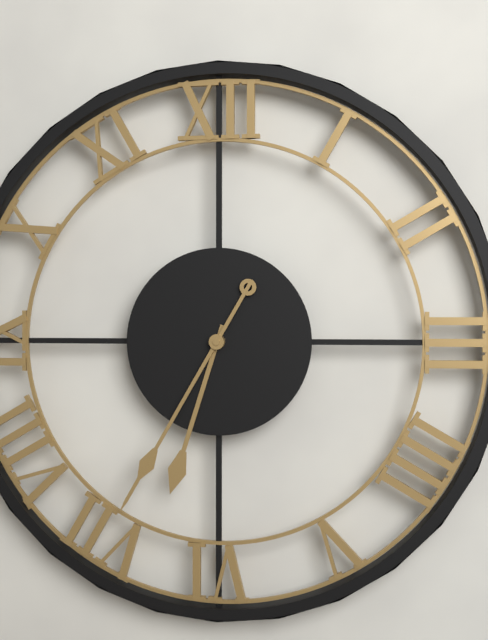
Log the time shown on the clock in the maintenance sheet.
6:35
